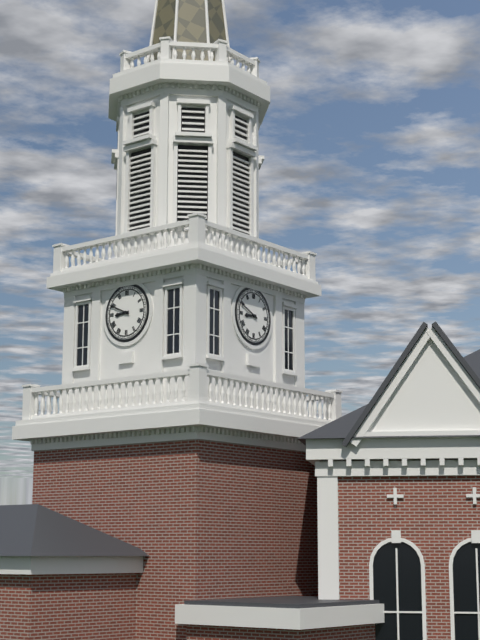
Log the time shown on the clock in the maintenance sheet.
8:49
